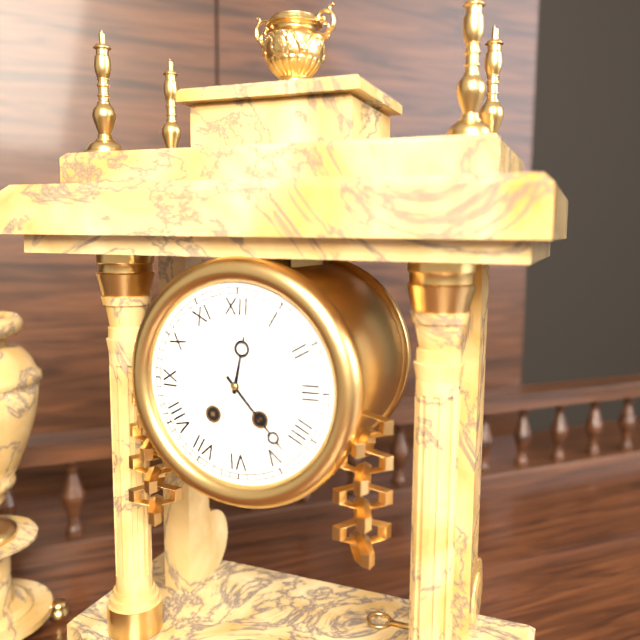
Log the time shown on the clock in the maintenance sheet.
12:23
